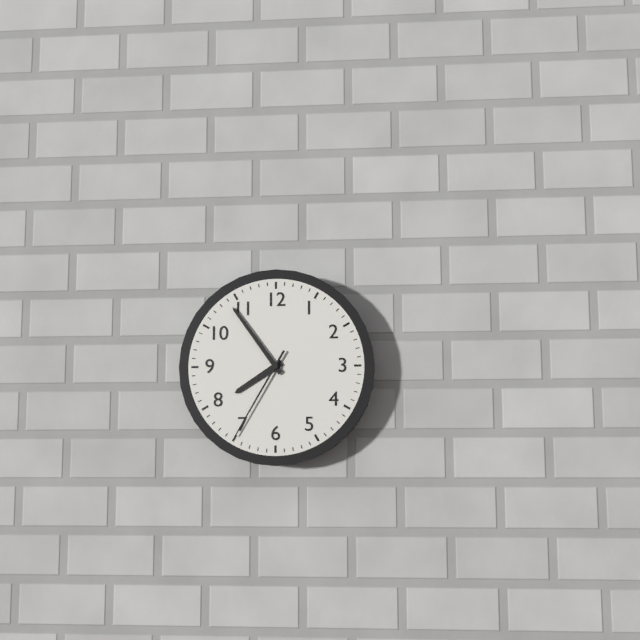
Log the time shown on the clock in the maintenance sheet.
7:54:35
